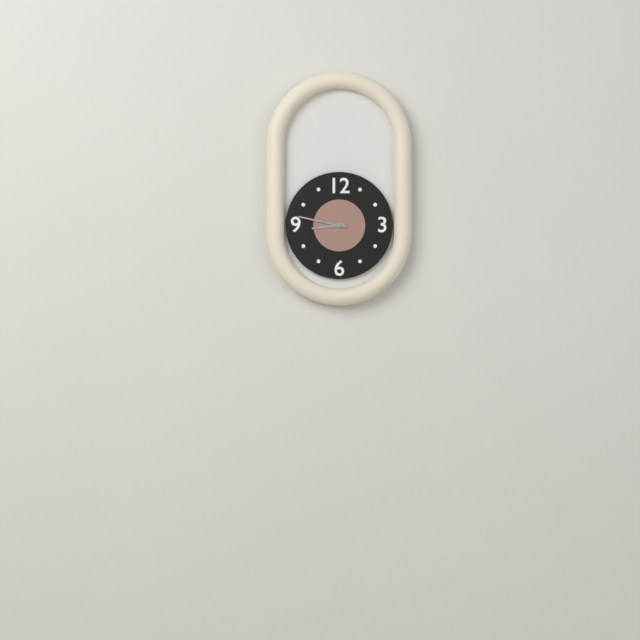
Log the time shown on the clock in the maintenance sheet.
8:47
